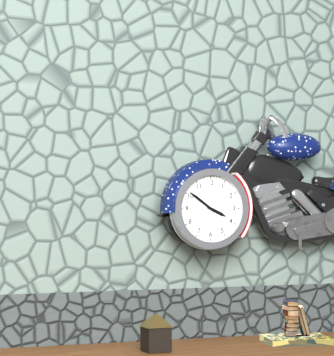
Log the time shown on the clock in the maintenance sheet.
3:51
